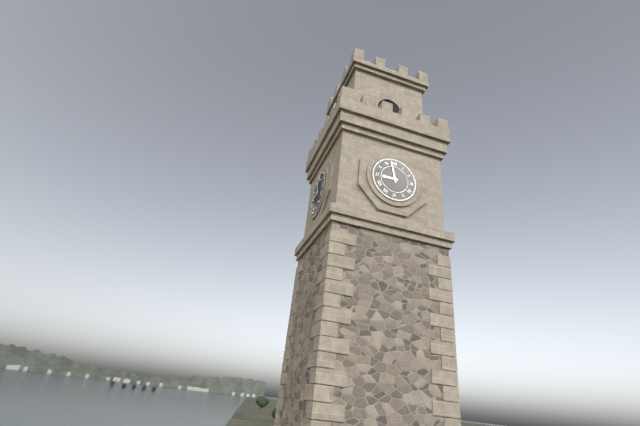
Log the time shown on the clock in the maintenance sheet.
8:58
